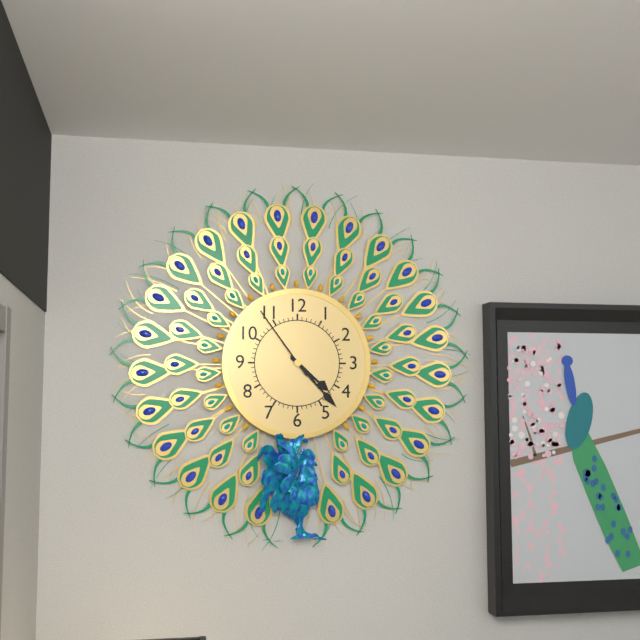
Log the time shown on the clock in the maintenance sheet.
4:23:54
